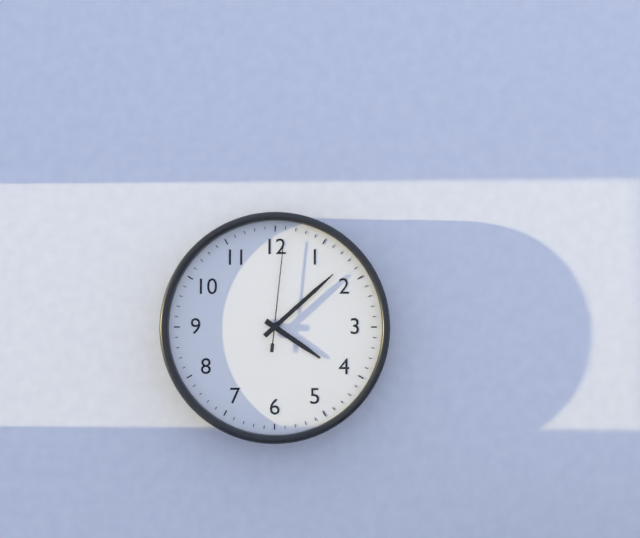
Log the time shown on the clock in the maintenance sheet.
4:08:01
